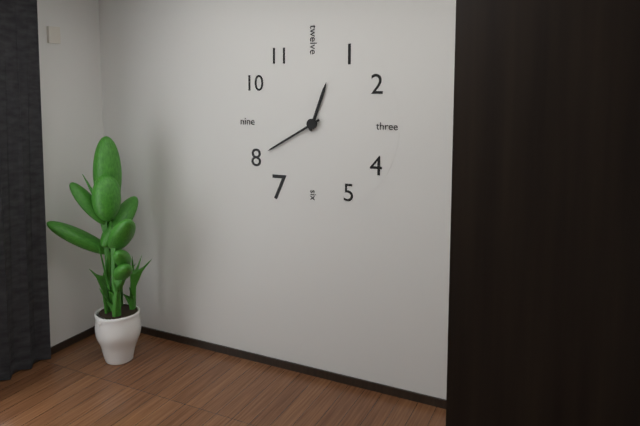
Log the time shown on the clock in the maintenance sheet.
12:40
